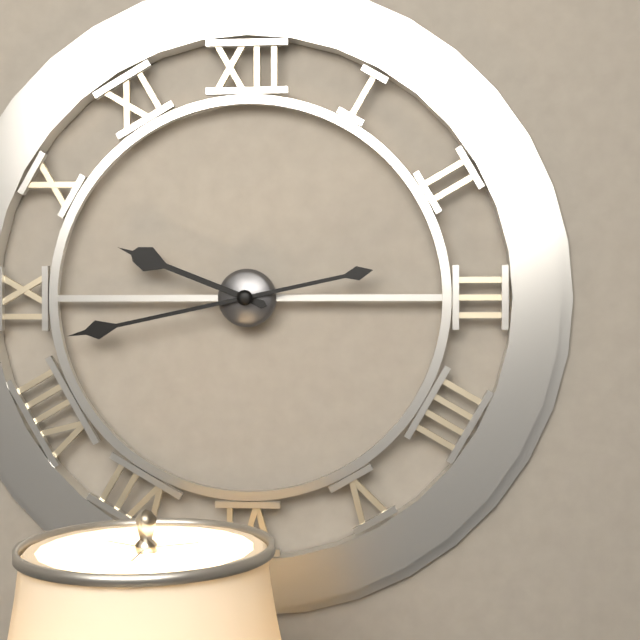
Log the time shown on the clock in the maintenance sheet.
9:43
